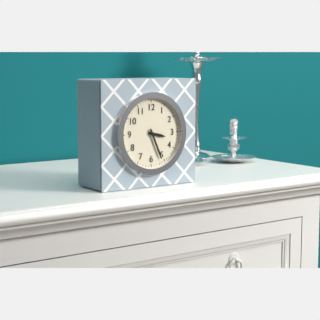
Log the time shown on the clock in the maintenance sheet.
3:26
